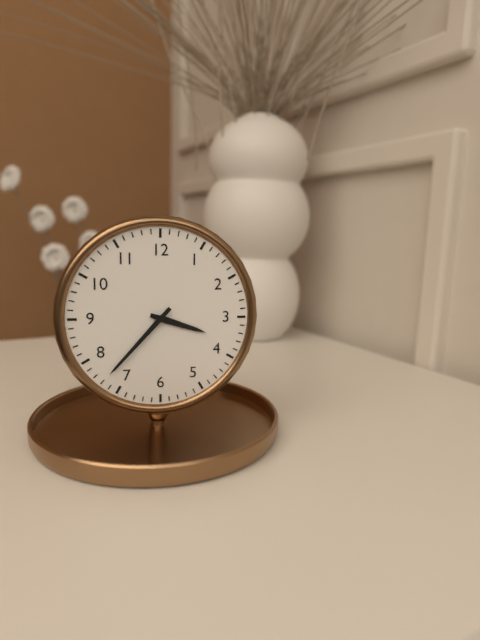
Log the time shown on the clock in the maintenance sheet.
3:37
